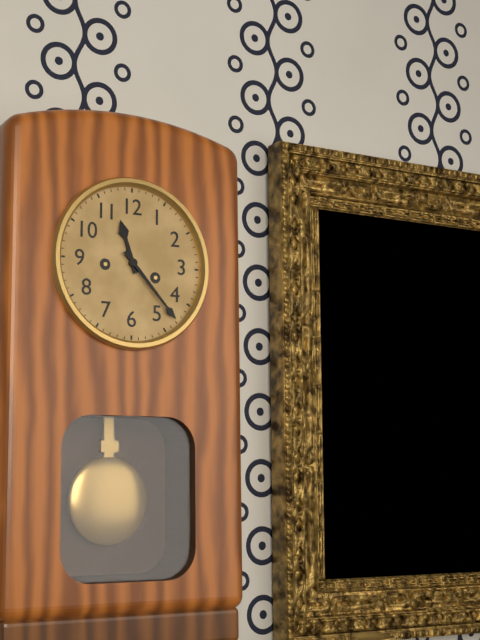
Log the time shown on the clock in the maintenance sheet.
11:23
